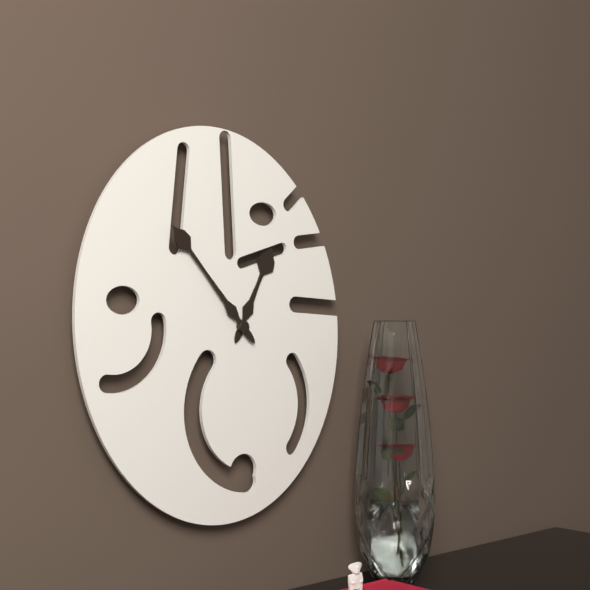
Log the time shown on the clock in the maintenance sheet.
12:53
